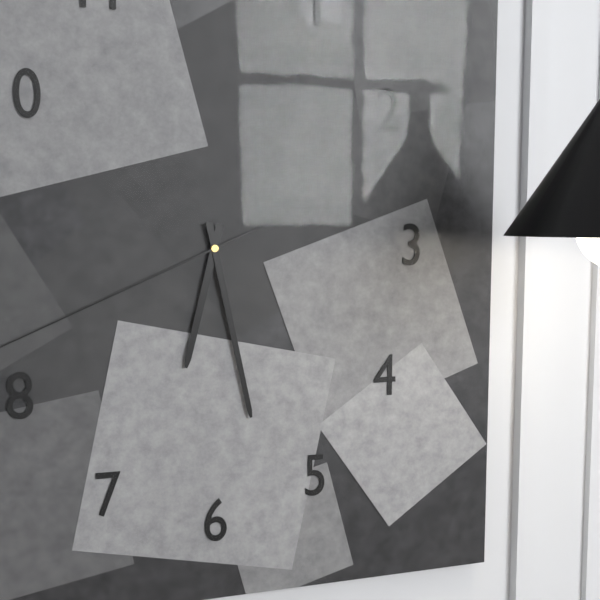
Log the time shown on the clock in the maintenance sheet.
6:28
